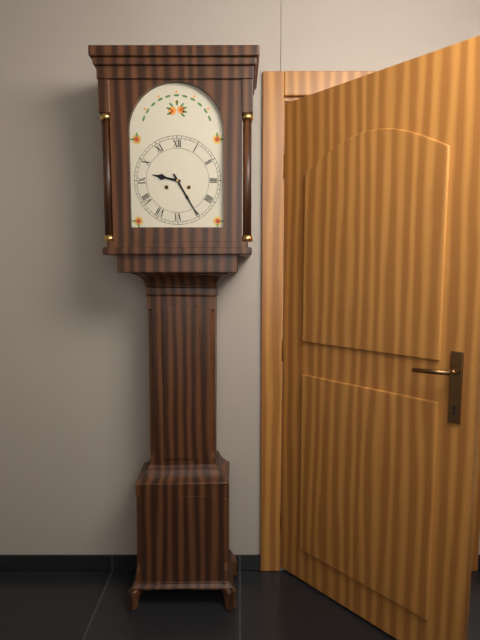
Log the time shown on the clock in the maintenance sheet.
9:25
